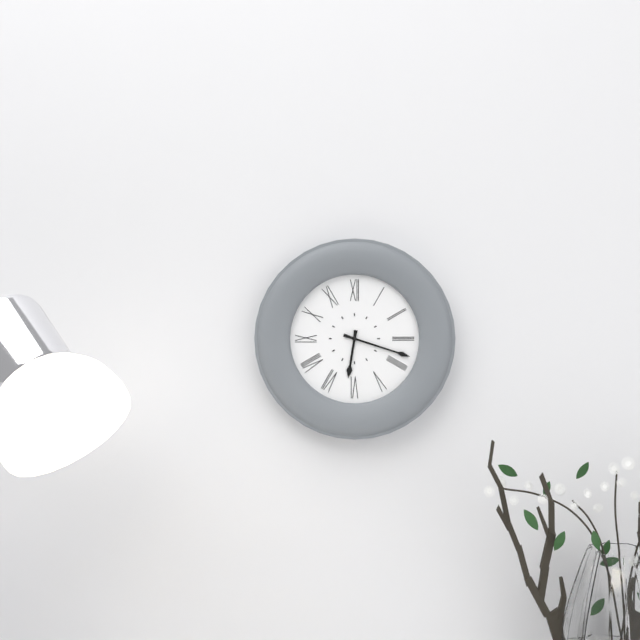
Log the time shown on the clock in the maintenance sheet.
6:18
